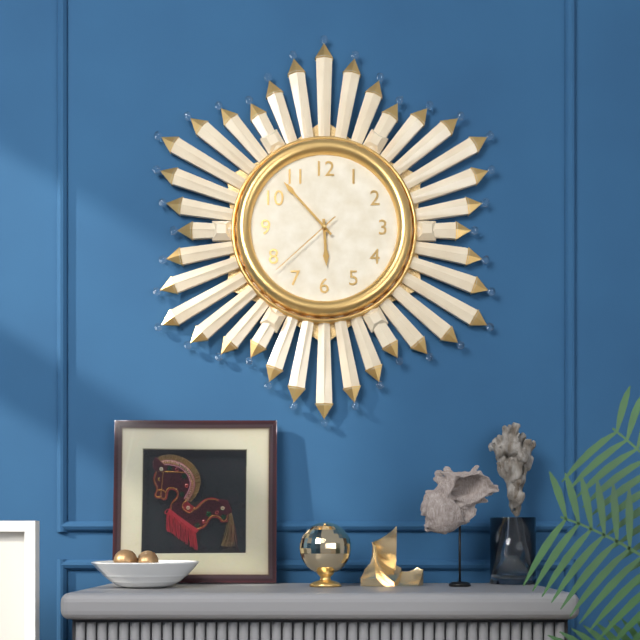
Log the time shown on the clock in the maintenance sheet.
5:53:38
